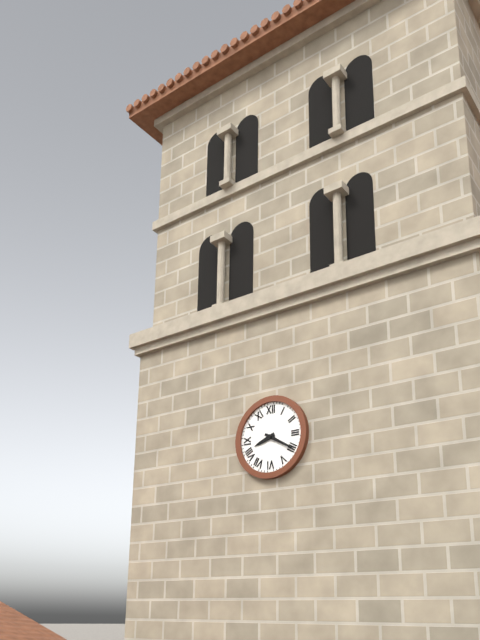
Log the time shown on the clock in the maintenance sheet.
8:20
